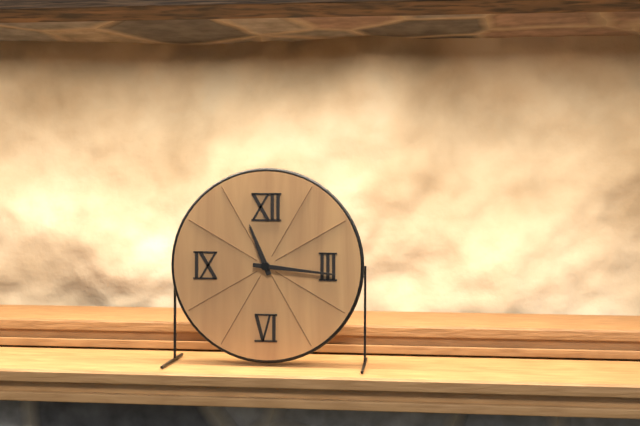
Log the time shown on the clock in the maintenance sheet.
11:16
